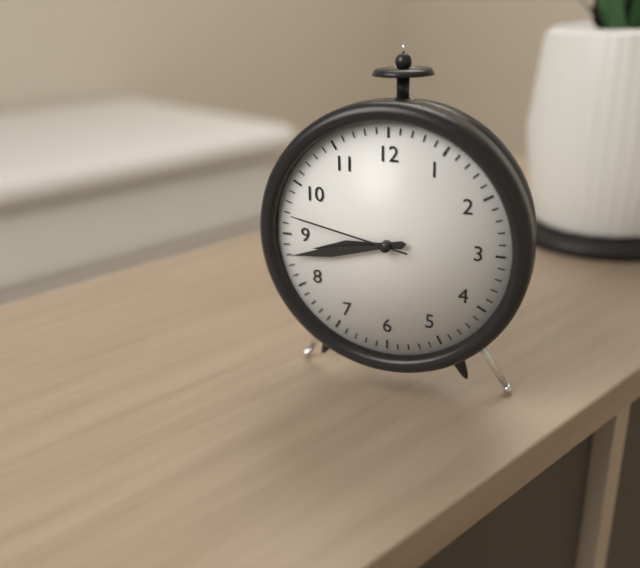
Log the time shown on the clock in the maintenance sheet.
8:43:47
